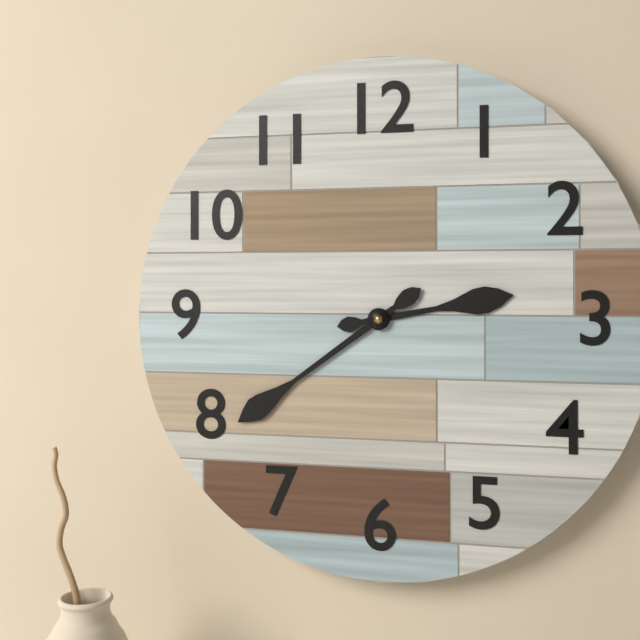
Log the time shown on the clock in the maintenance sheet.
2:39
